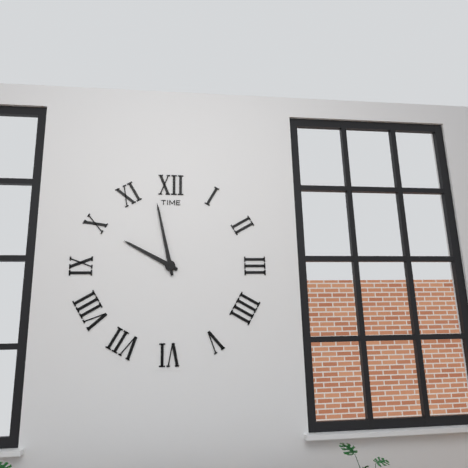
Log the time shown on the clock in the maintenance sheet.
9:58
